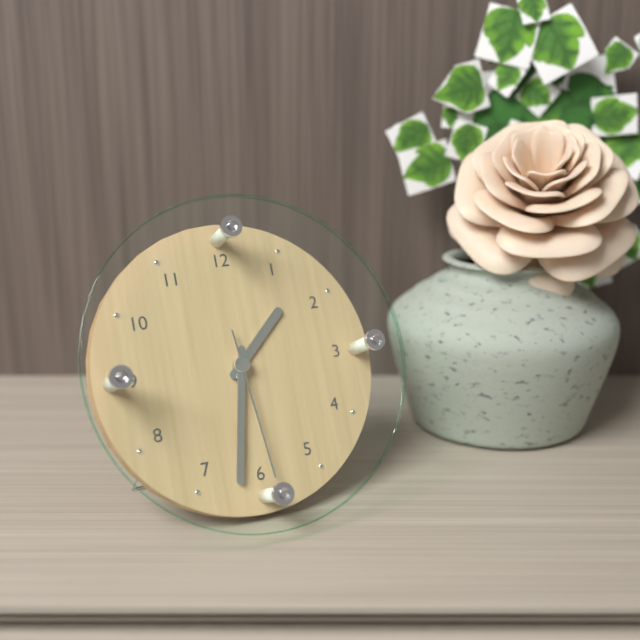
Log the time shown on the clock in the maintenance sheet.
1:32:29
